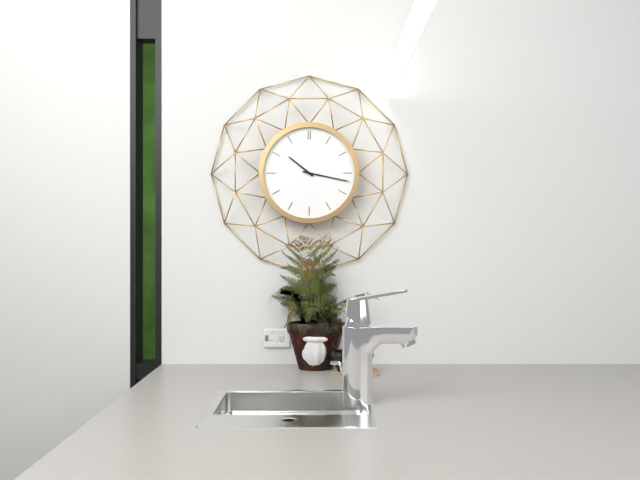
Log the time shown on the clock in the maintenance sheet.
10:17
